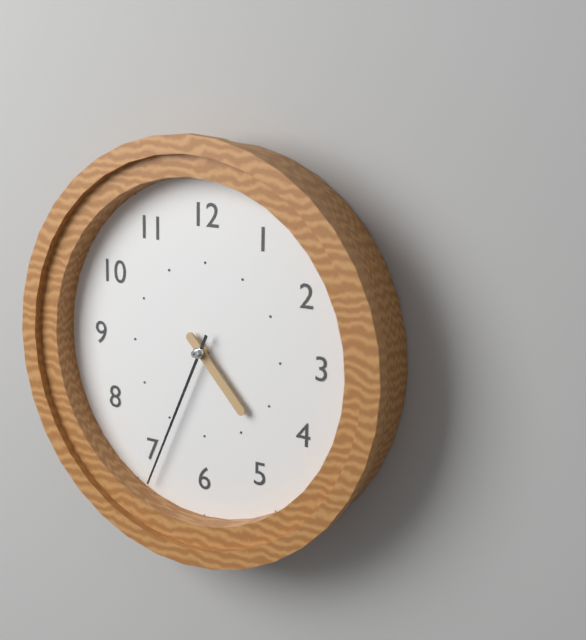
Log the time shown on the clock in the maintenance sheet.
4:34
